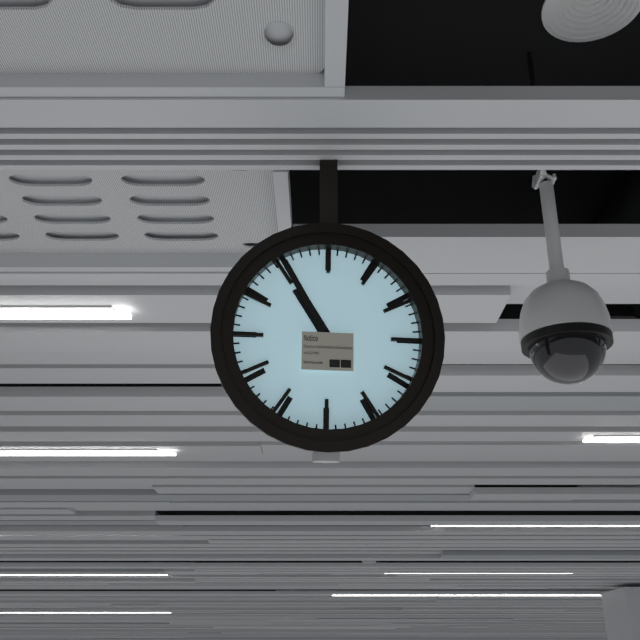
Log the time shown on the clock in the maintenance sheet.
10:55
